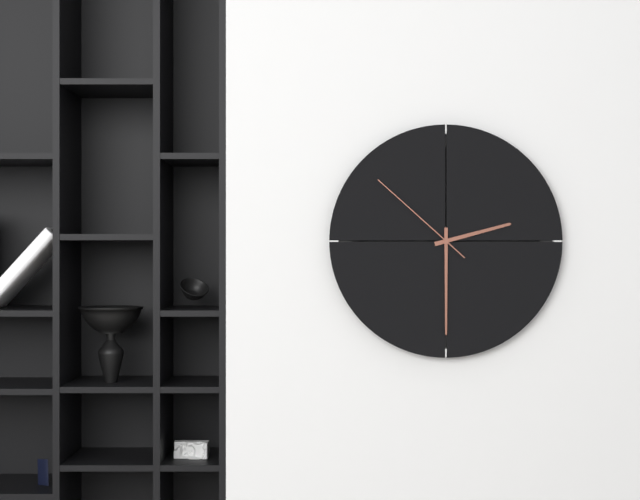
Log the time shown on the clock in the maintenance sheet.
2:30:52
